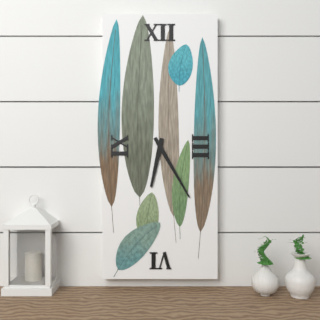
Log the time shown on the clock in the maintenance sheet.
6:25
